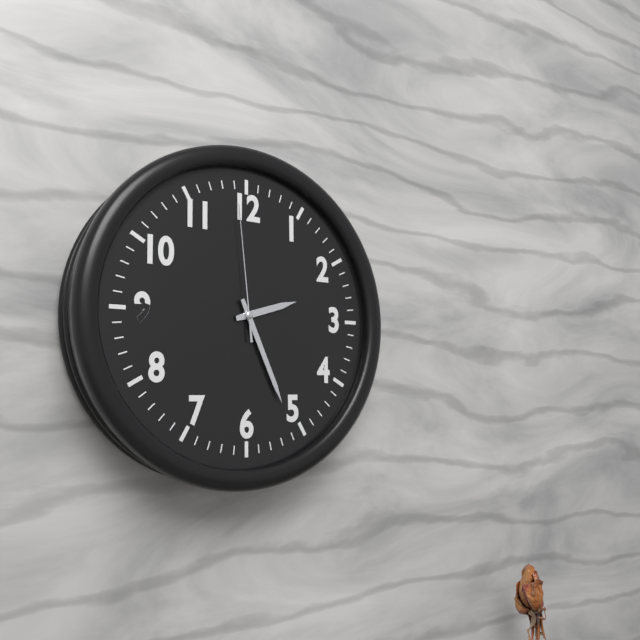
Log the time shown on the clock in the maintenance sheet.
2:26:59
